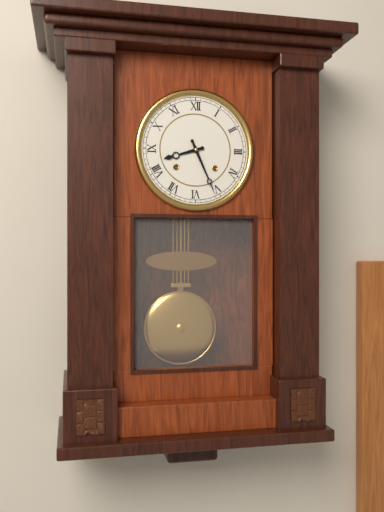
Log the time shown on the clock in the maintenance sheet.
8:26
